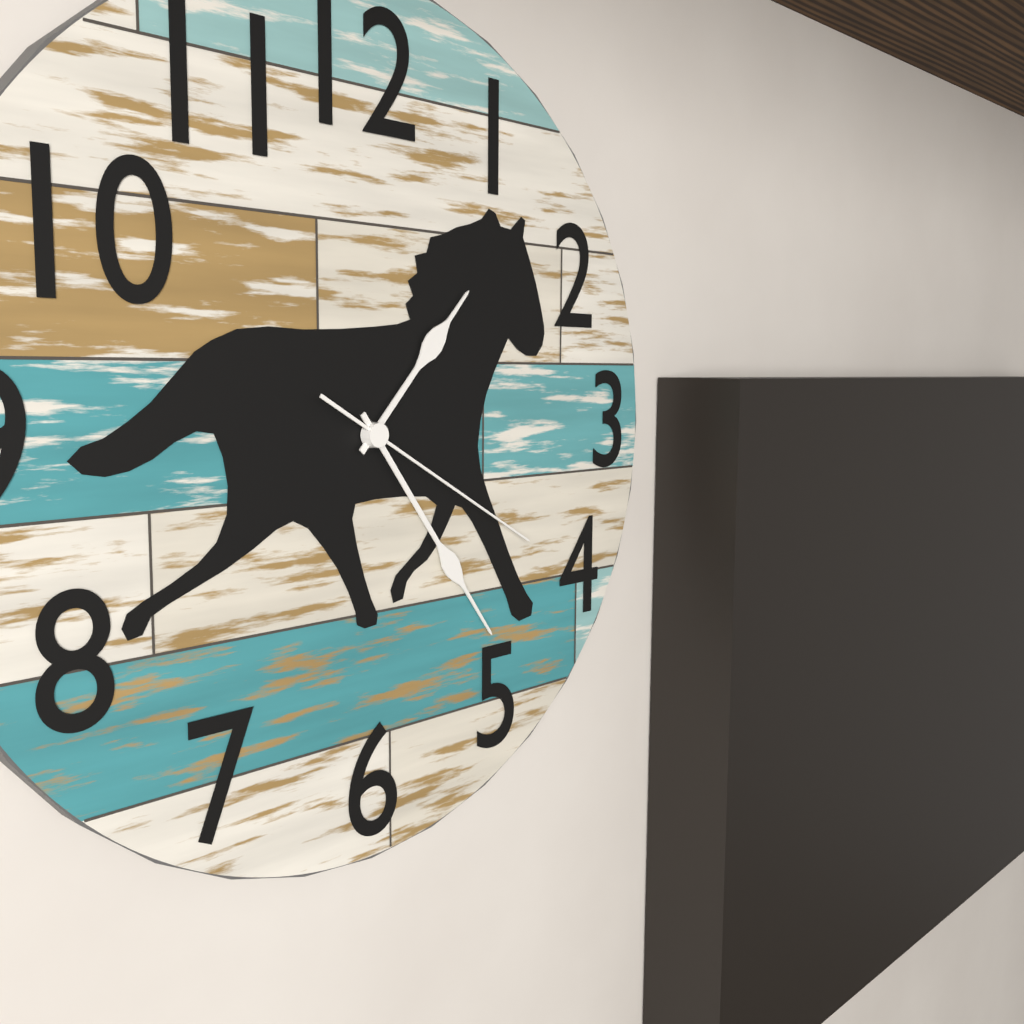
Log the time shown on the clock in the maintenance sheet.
1:24:20
